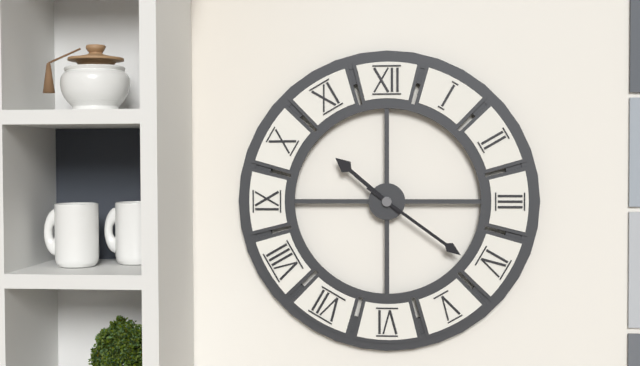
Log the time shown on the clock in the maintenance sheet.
10:21
